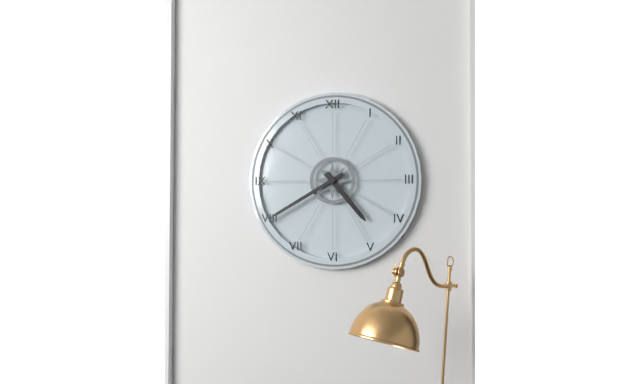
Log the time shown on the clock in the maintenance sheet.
4:40
